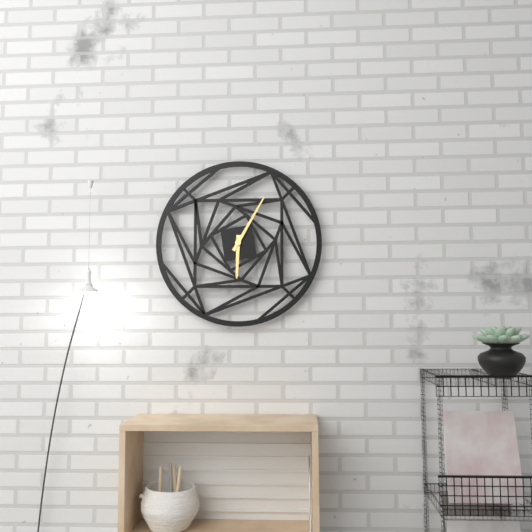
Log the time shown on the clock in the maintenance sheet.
6:05
